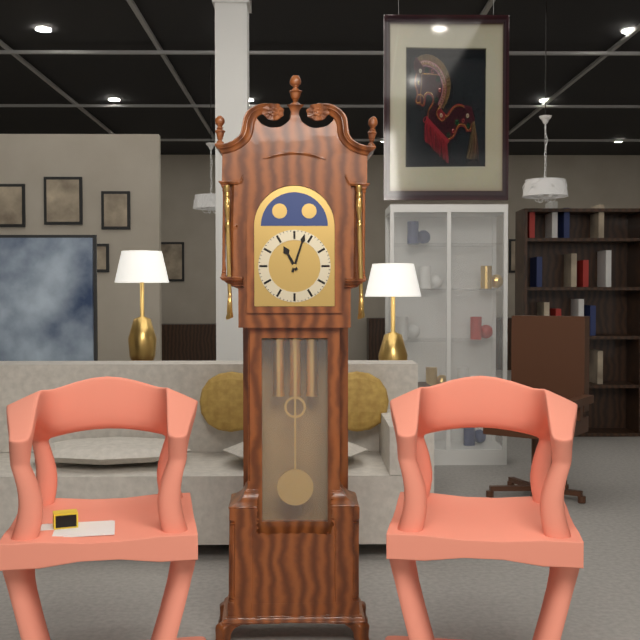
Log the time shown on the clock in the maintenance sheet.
11:03
